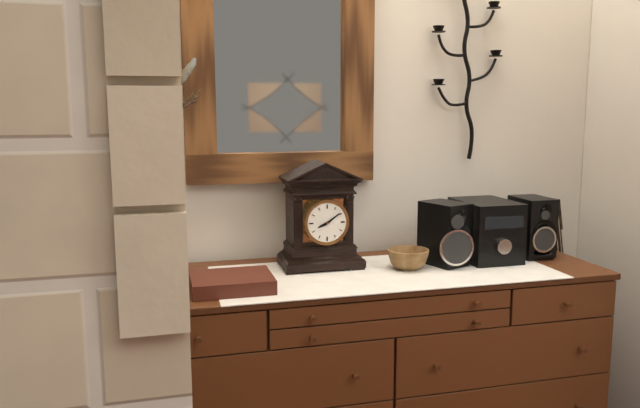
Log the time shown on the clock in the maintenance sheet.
8:09
